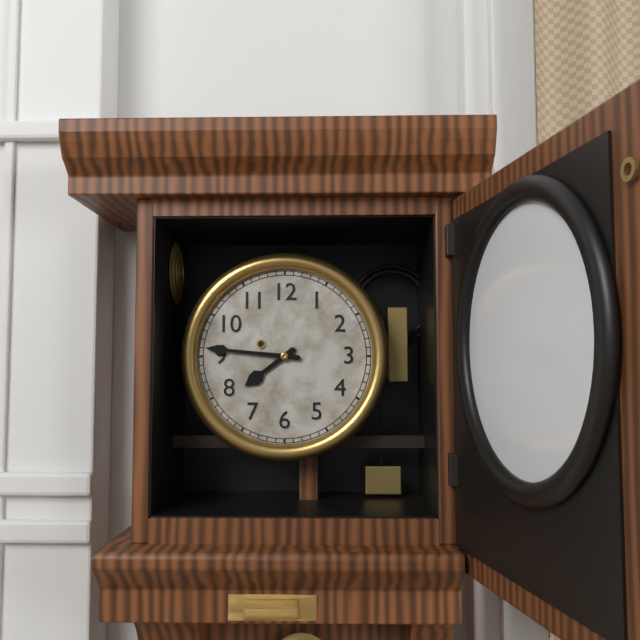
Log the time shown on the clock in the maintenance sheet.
7:46
